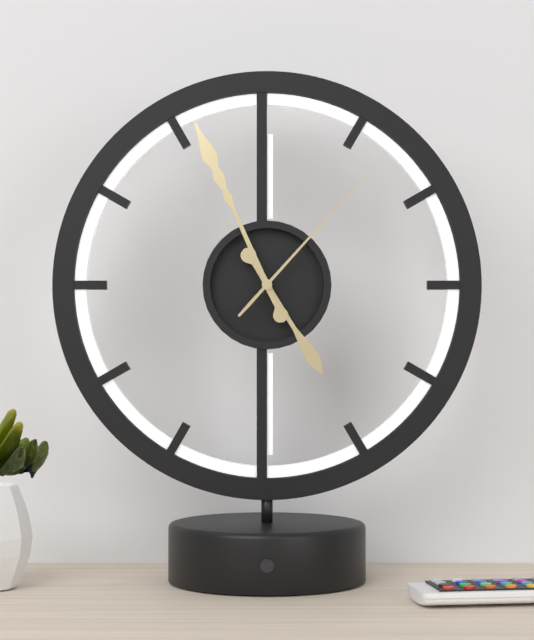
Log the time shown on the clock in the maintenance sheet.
4:56:07
